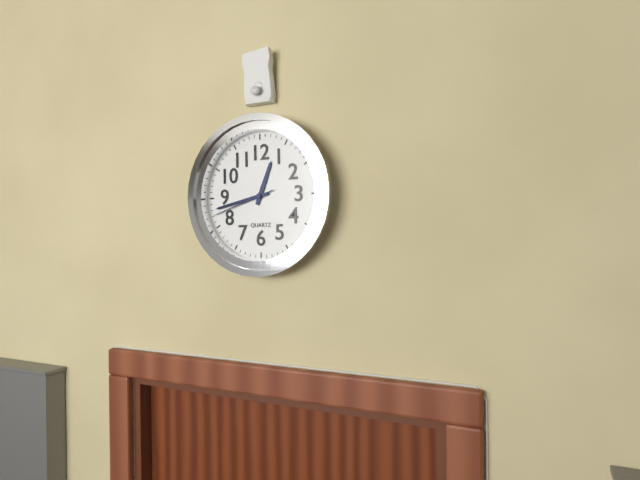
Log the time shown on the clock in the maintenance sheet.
12:43:42
